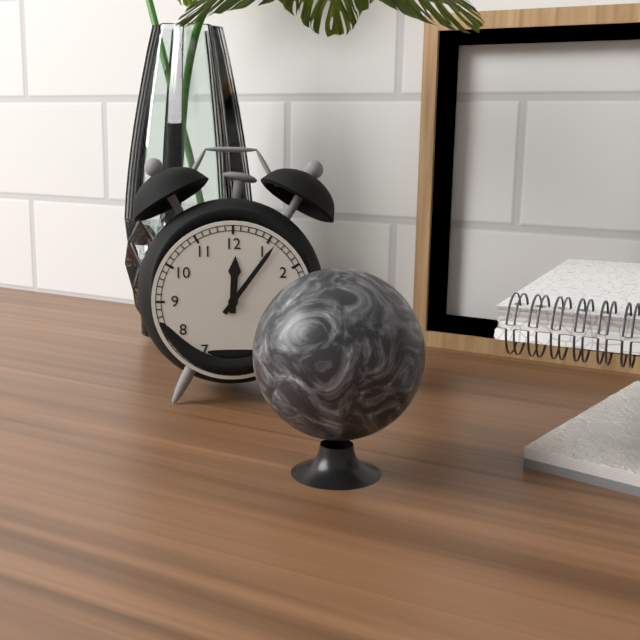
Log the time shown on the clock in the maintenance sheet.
12:06
